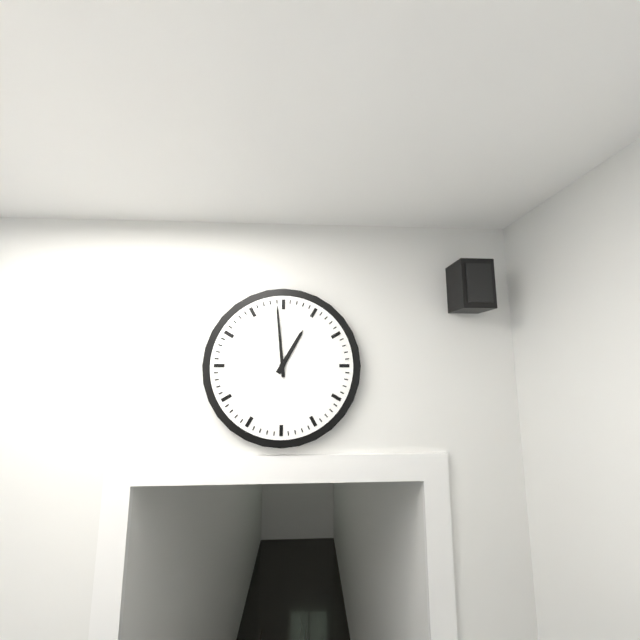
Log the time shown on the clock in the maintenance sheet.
12:59
